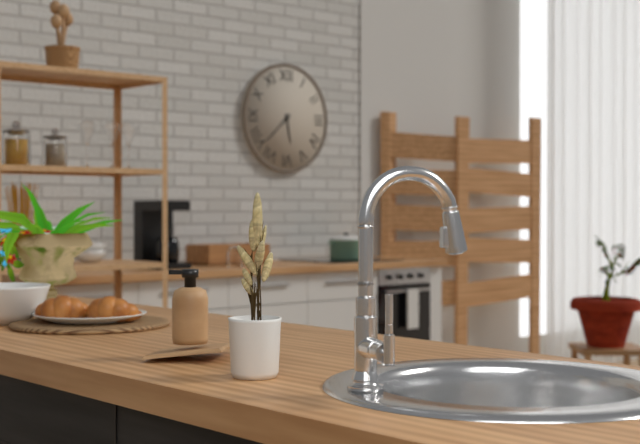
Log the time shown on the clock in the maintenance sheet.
5:38
